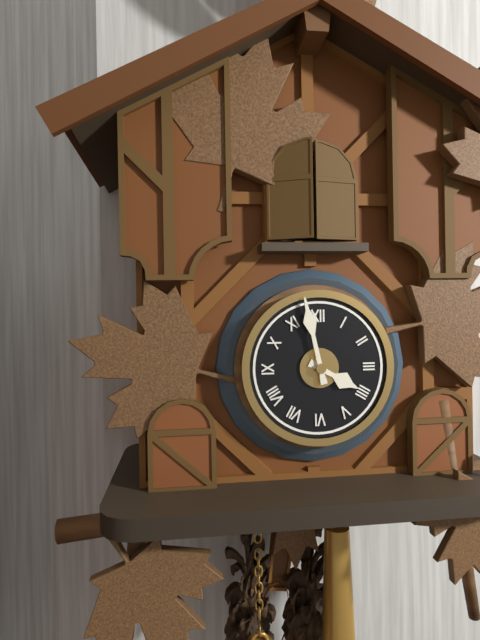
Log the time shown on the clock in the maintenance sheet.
3:58
